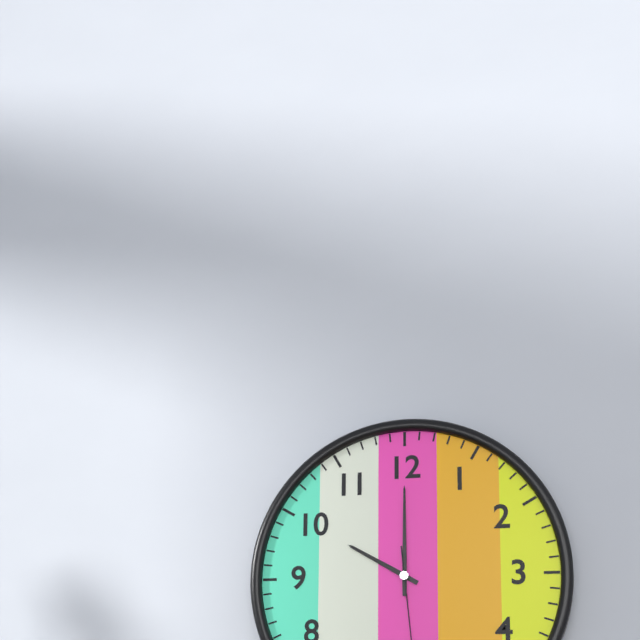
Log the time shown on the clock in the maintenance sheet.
10:00
